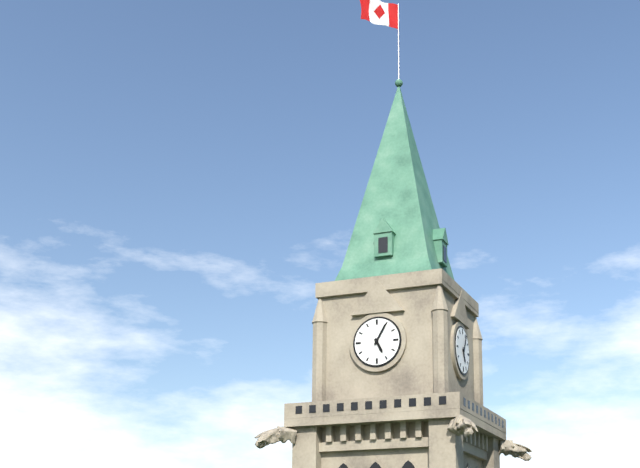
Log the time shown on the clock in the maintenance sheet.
5:05
